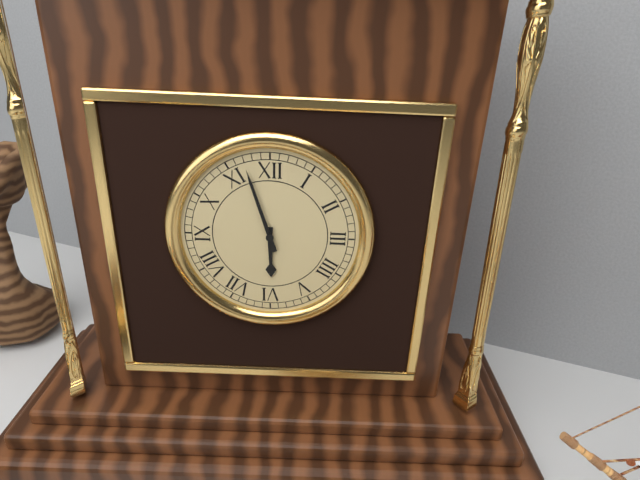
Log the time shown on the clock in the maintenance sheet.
5:57
